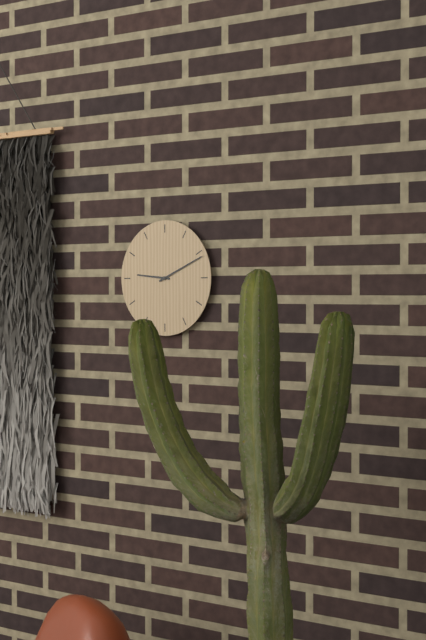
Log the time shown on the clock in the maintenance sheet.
9:11
